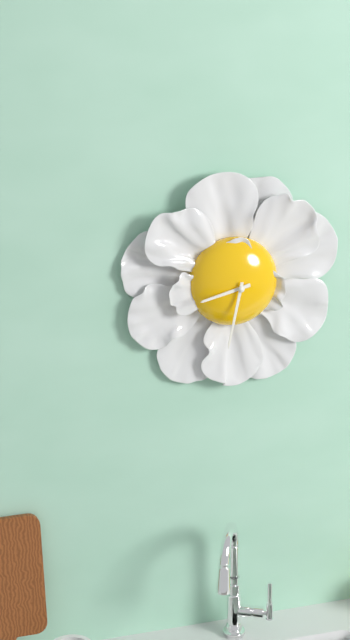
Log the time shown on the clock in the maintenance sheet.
8:32
